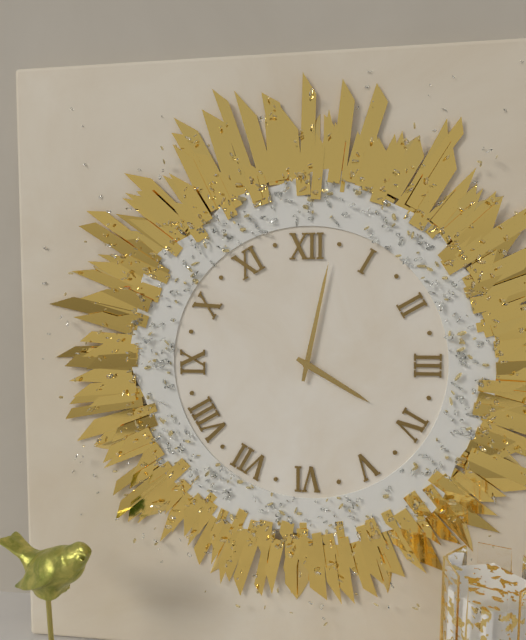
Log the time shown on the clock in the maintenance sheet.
4:02
